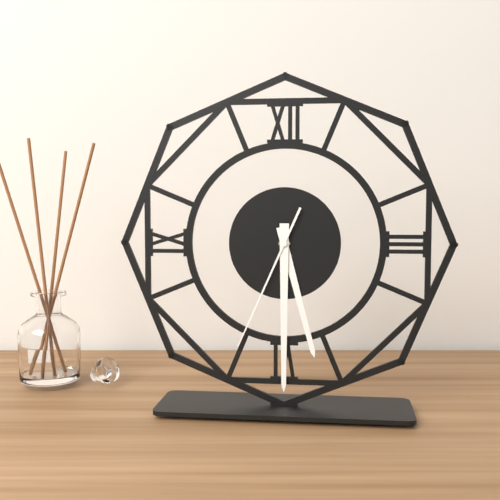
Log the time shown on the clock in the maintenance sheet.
5:30:34
